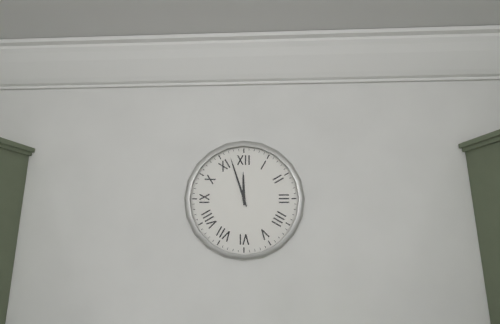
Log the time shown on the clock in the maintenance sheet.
11:57
